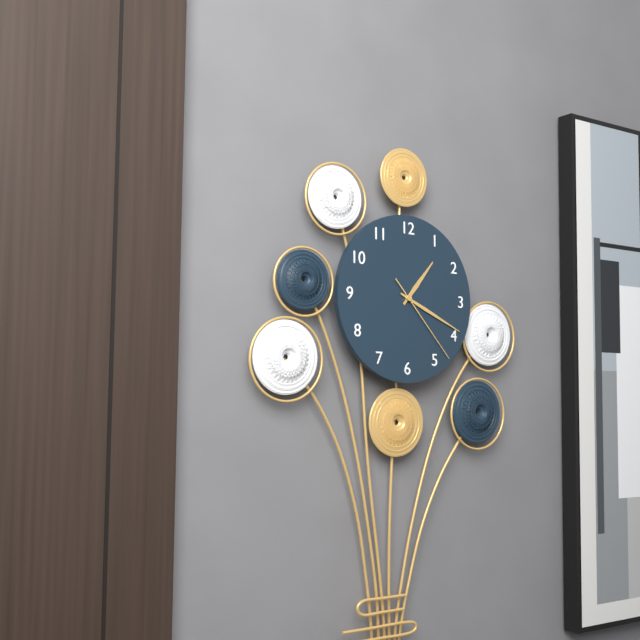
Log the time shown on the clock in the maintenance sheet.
1:19:23
